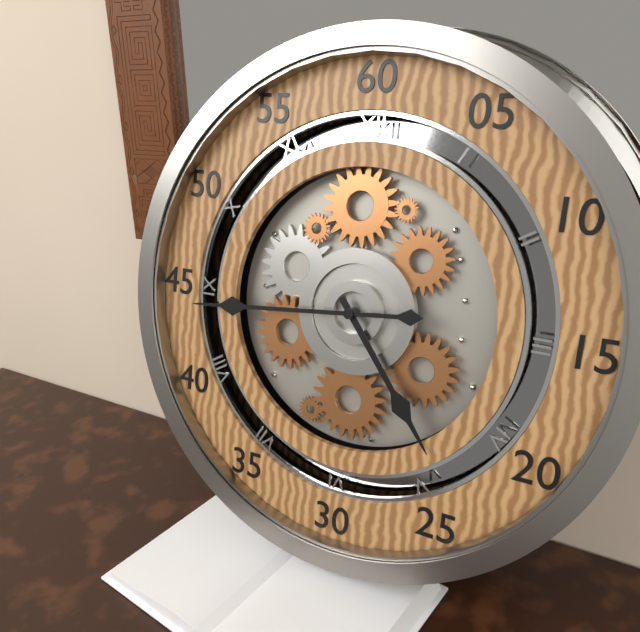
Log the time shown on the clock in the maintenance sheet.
4:44
